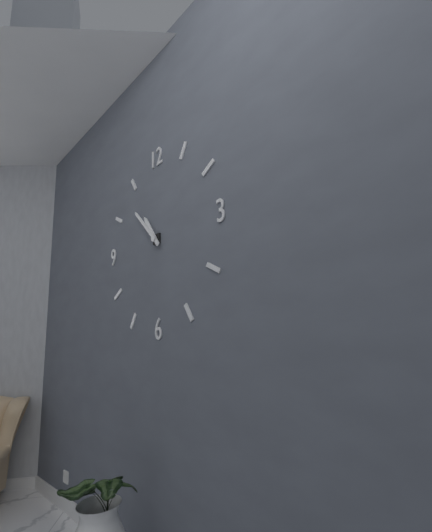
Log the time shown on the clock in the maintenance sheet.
10:53
